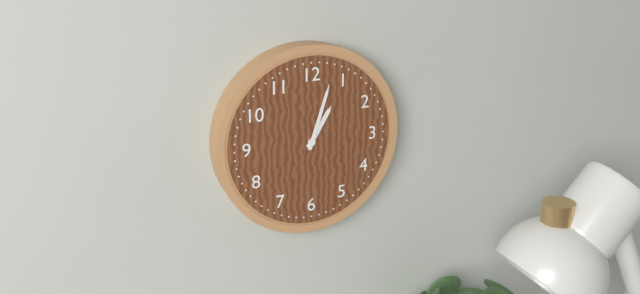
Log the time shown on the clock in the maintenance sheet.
1:03
